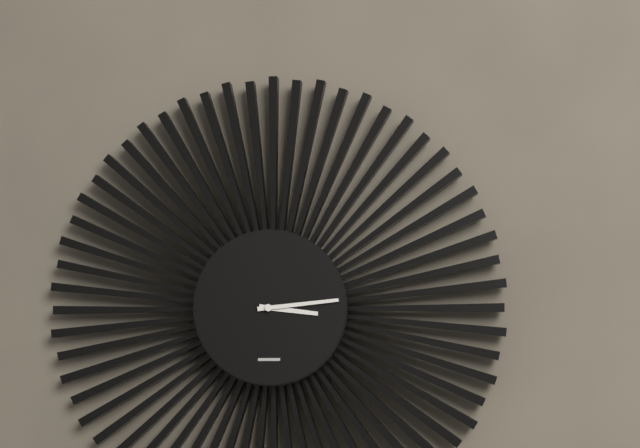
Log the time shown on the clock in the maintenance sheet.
3:14
